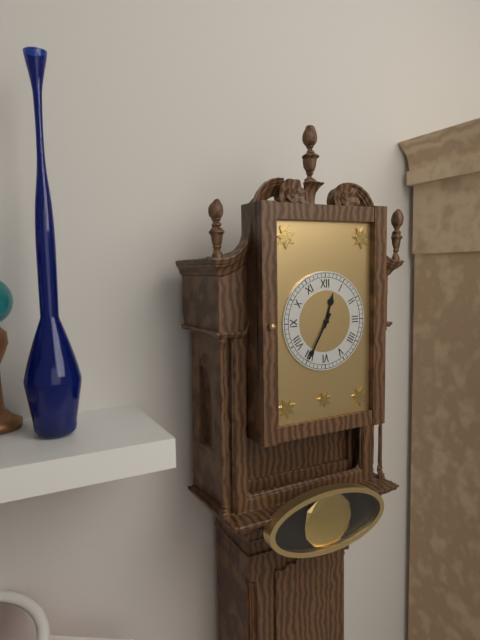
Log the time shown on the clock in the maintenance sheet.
12:35
